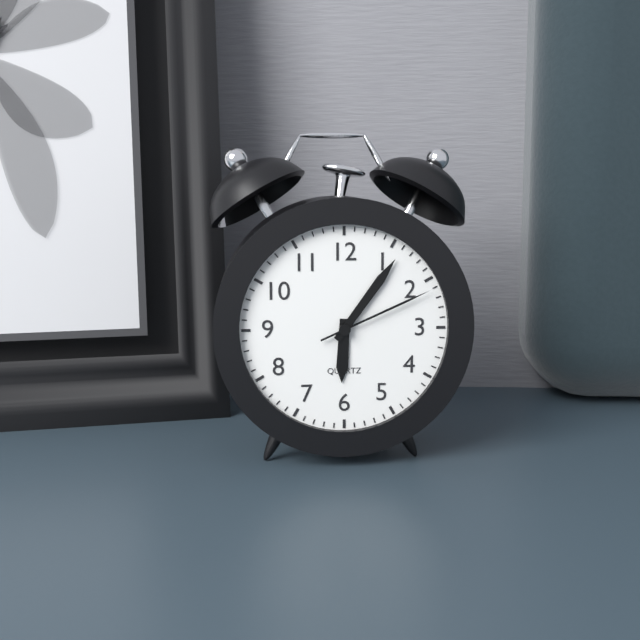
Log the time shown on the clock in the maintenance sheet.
6:06:11
